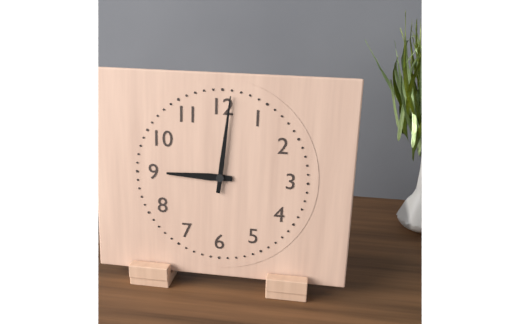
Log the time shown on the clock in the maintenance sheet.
9:01
